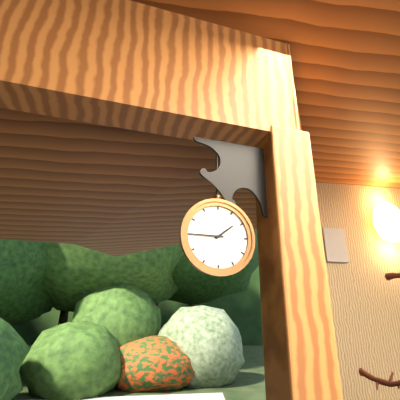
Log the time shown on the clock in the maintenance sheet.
1:45
